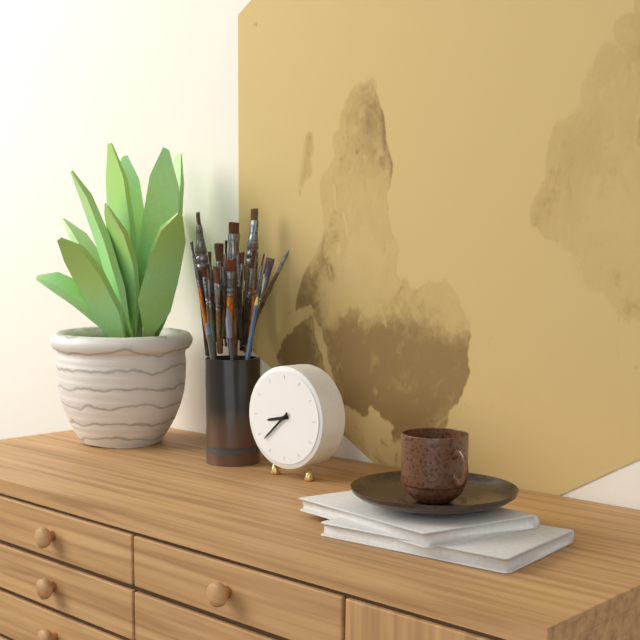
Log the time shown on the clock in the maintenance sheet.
8:38
